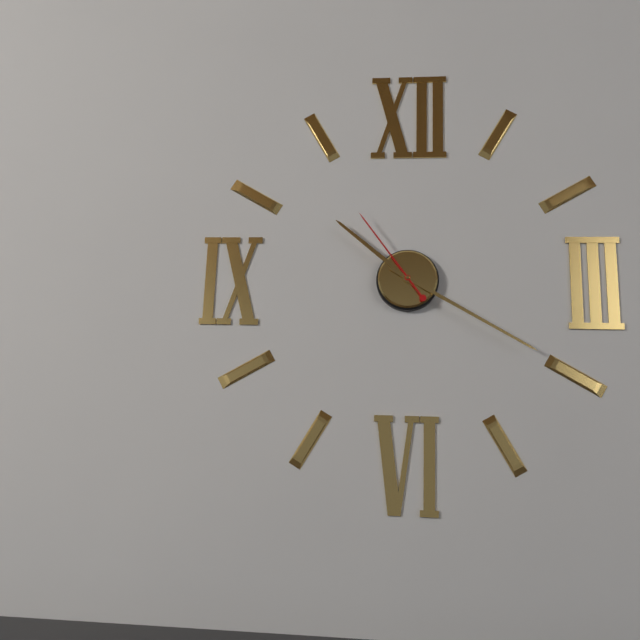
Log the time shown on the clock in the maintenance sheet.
10:20:54
